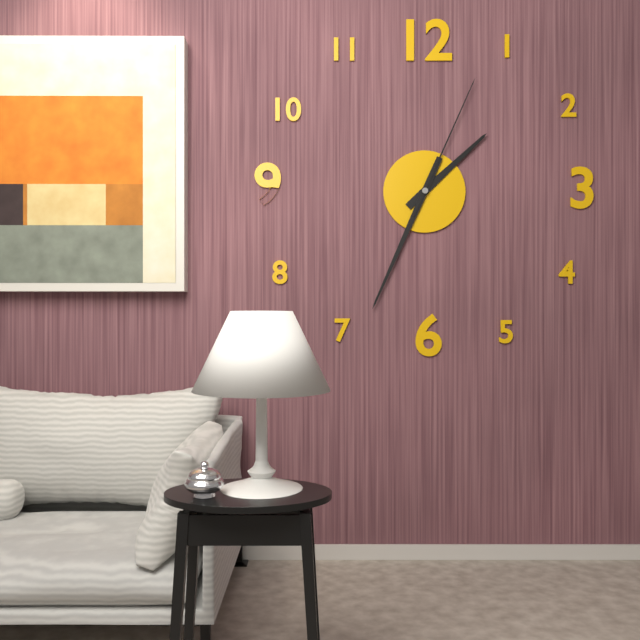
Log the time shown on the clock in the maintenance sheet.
1:34:04
